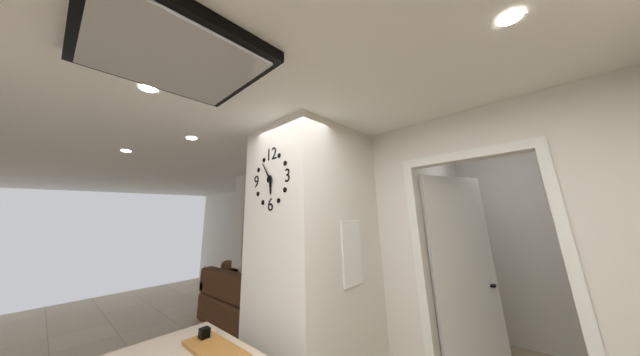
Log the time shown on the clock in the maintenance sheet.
5:54
